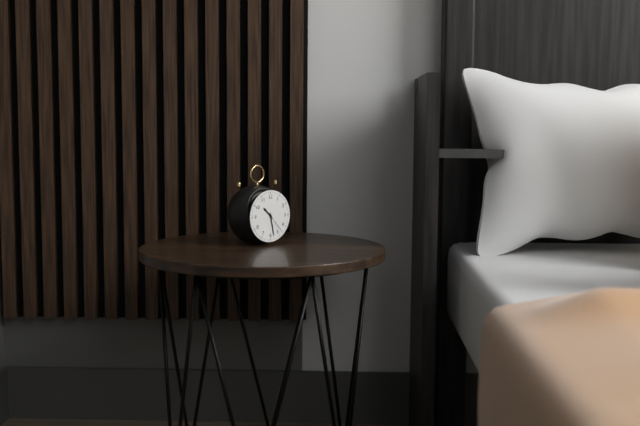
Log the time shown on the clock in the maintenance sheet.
10:28
